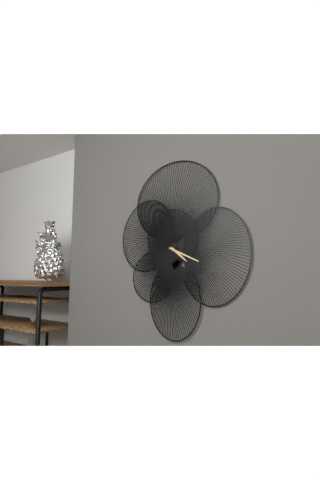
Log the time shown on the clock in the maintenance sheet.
4:19
